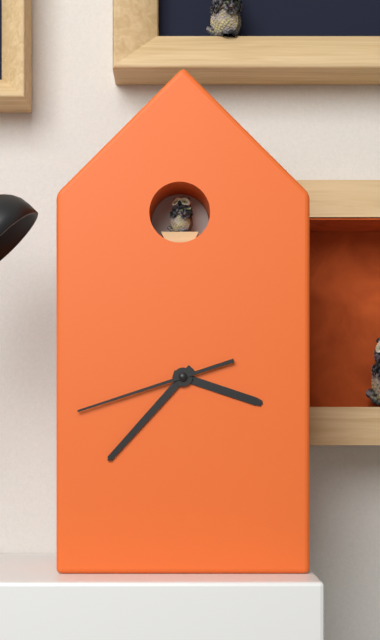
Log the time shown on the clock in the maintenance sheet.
3:37:42
